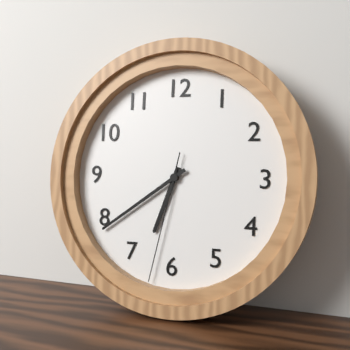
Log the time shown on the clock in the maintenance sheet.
6:39:32
